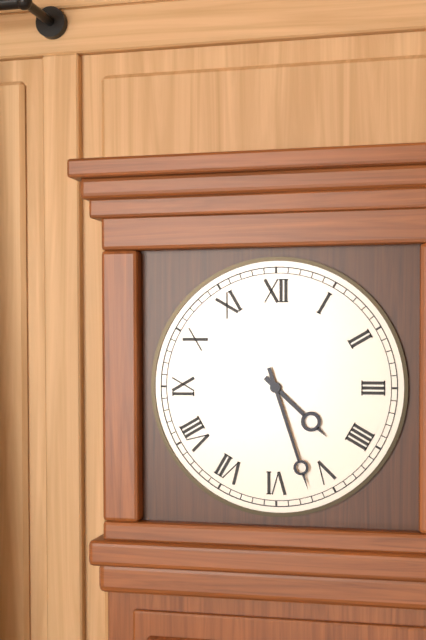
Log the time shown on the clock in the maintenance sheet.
4:27
